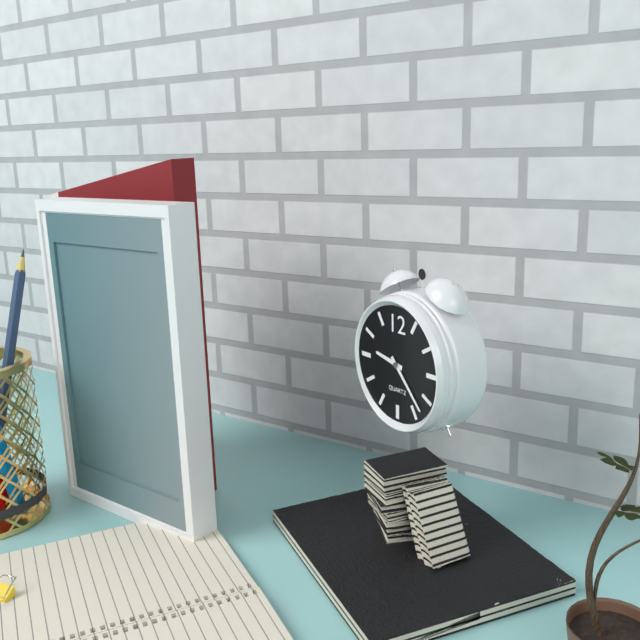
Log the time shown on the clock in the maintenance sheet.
9:23
